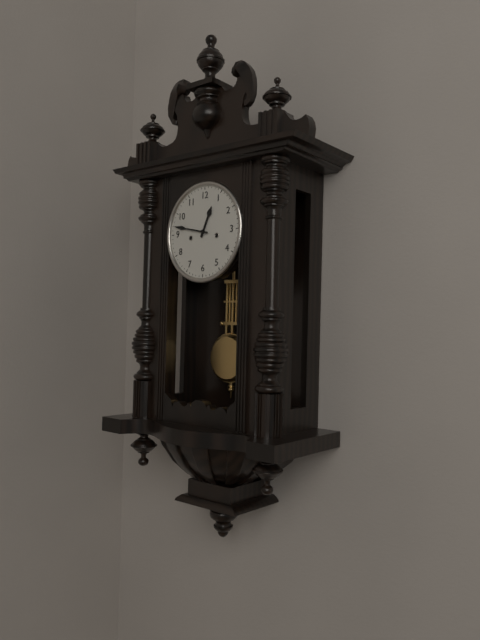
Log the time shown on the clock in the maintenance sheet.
12:47
